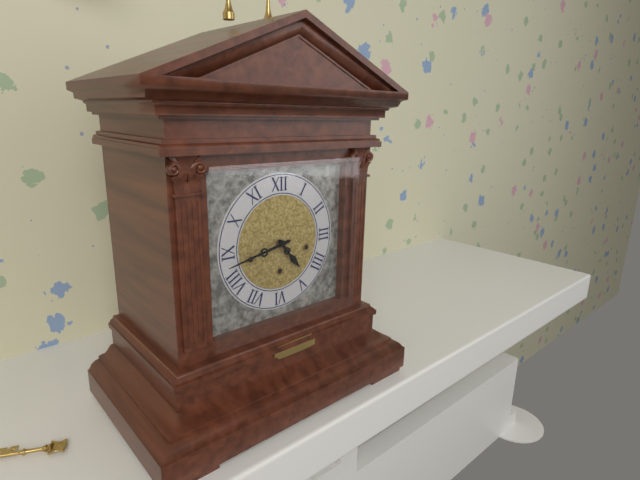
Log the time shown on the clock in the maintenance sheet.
4:43
